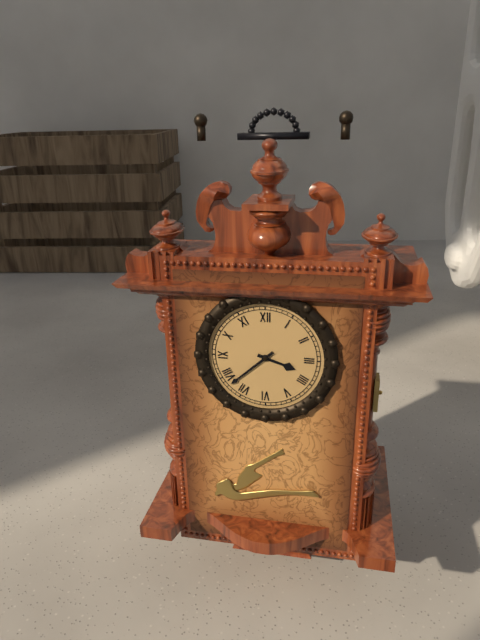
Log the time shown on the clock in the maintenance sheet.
3:38
